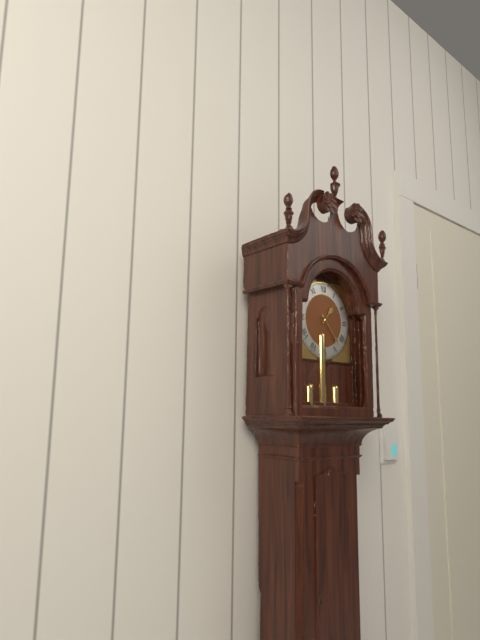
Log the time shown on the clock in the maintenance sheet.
1:23
